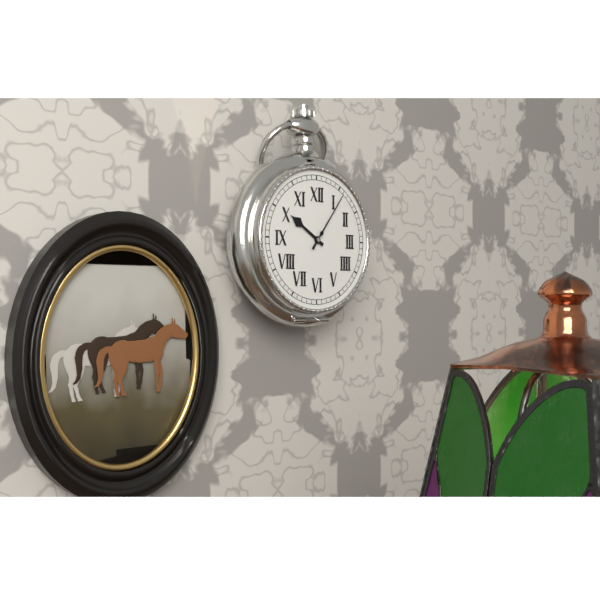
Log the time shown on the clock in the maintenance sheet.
10:06
